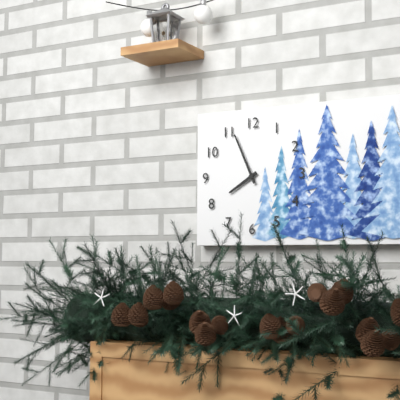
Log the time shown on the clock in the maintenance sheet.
7:56
